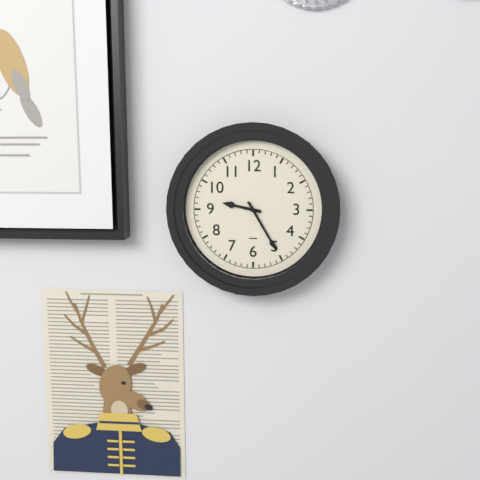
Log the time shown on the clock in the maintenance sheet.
9:25
